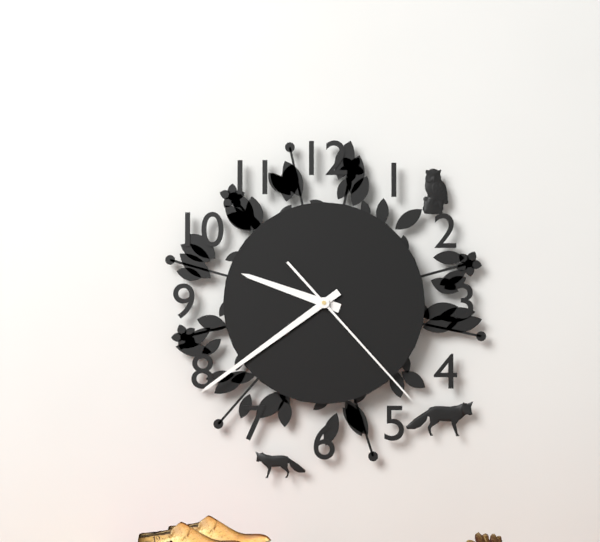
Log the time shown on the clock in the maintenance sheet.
9:39:23
